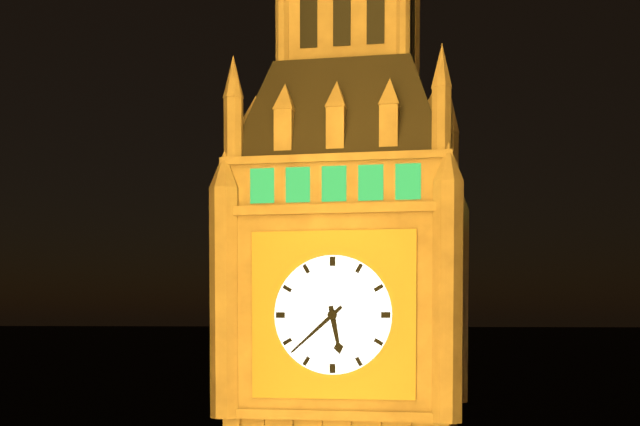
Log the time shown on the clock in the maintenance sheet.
5:38
